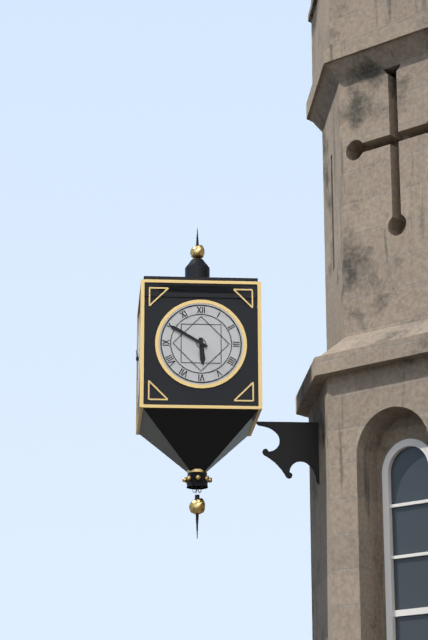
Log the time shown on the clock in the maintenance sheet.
5:50
